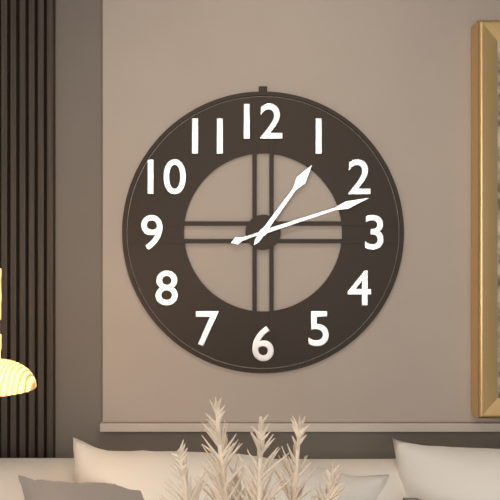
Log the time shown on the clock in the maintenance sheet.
1:12
